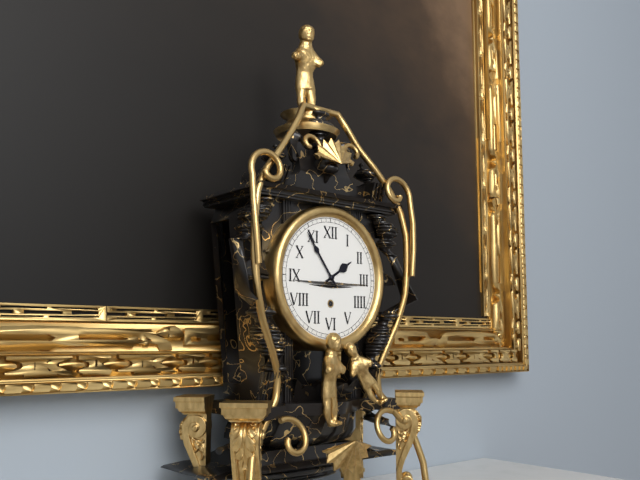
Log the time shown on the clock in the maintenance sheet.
1:54
